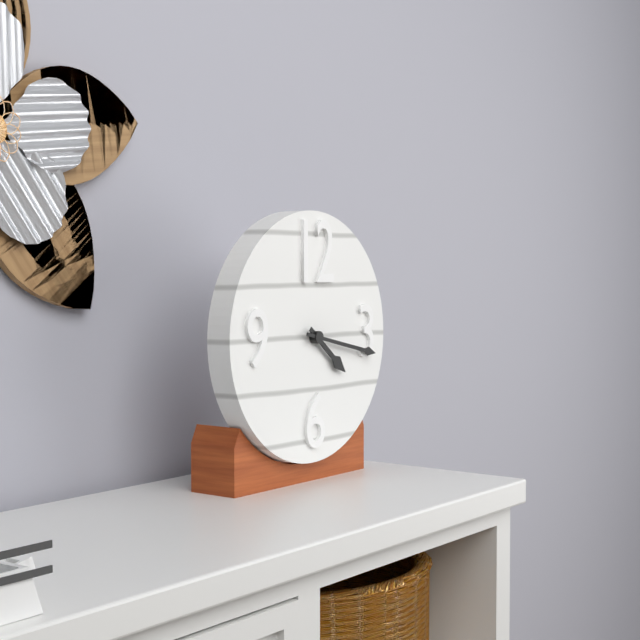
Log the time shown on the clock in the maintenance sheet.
4:17
